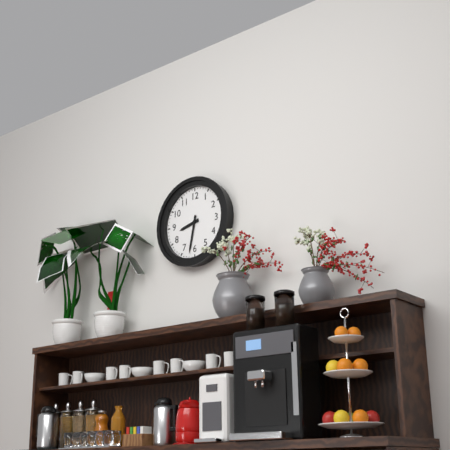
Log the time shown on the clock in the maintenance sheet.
8:32
